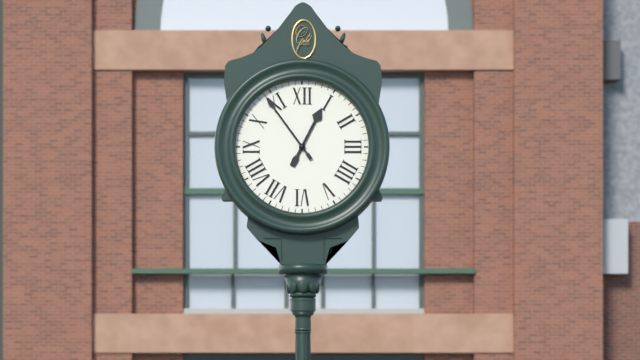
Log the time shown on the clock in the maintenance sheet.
12:54
